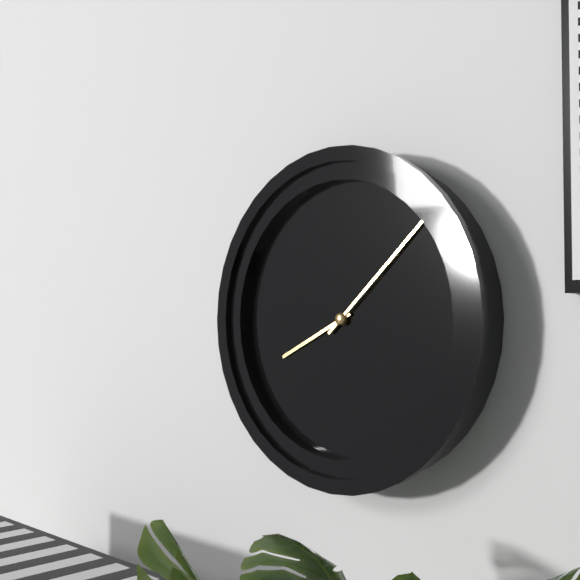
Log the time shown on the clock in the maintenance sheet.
8:08
